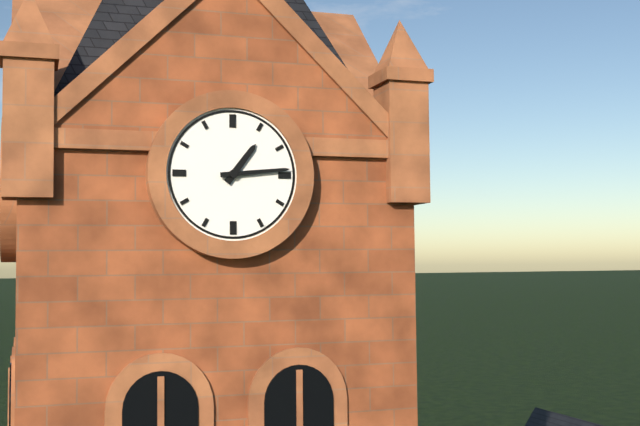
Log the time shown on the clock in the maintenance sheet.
1:14
